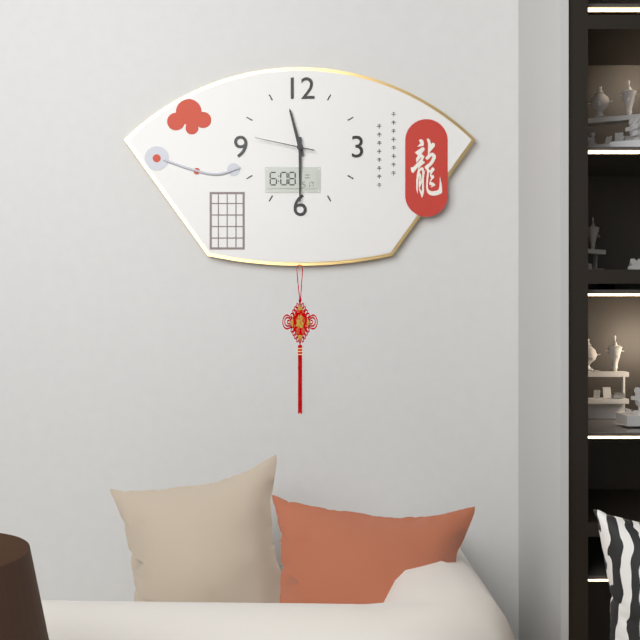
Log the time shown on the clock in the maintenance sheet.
11:30:47
